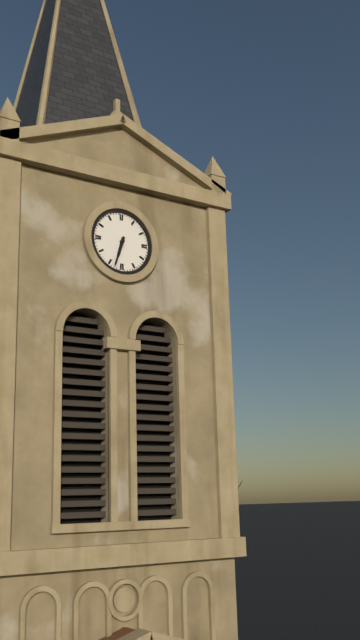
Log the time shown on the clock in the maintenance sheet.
6:33
